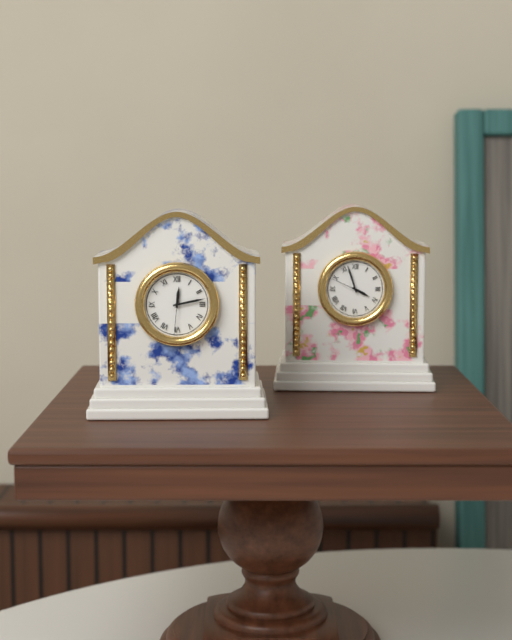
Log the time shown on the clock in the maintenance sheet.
12:13
